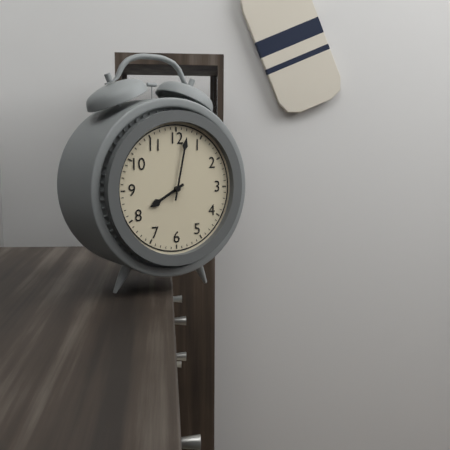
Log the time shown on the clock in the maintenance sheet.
8:02
